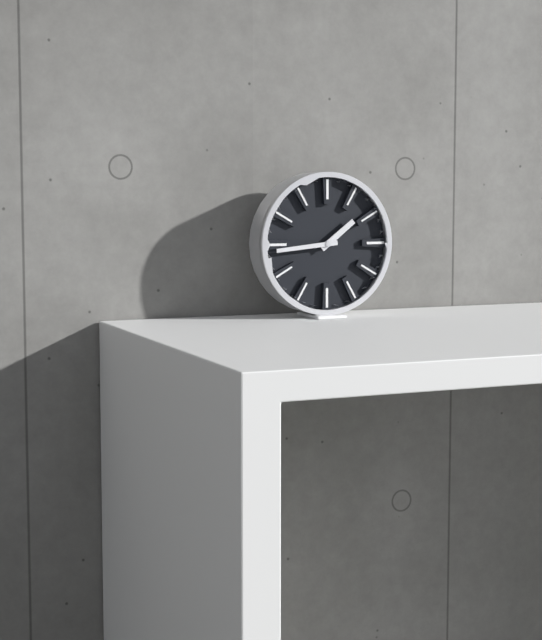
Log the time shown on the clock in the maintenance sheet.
1:44
